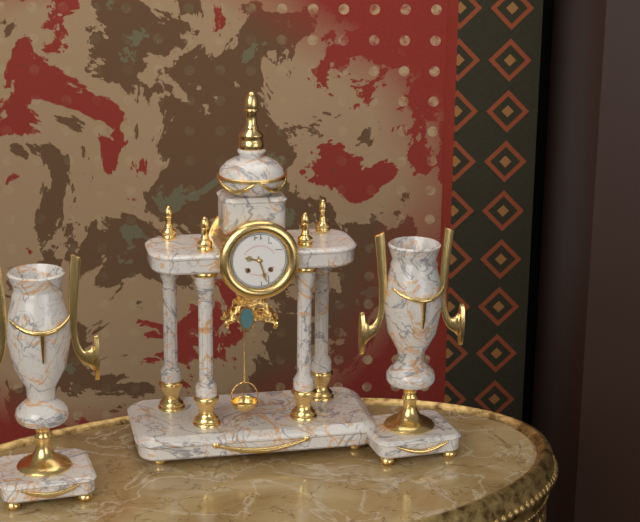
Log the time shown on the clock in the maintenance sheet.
9:27
